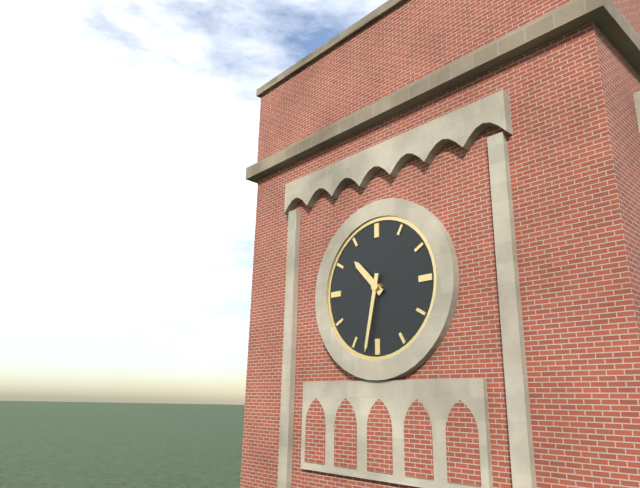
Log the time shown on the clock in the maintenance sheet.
10:32
